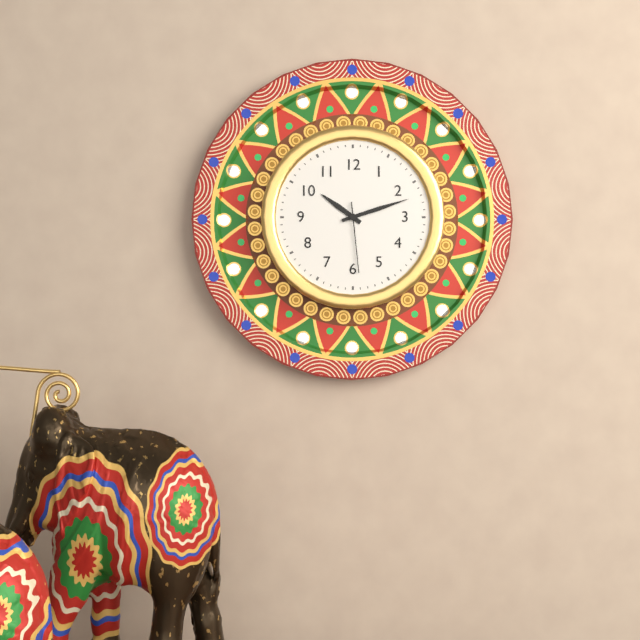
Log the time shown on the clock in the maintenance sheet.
10:12:29
